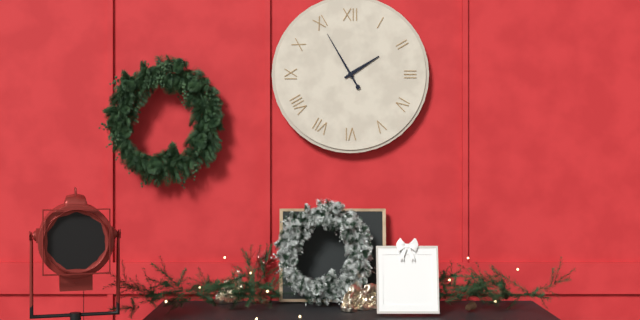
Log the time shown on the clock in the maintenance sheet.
1:55
